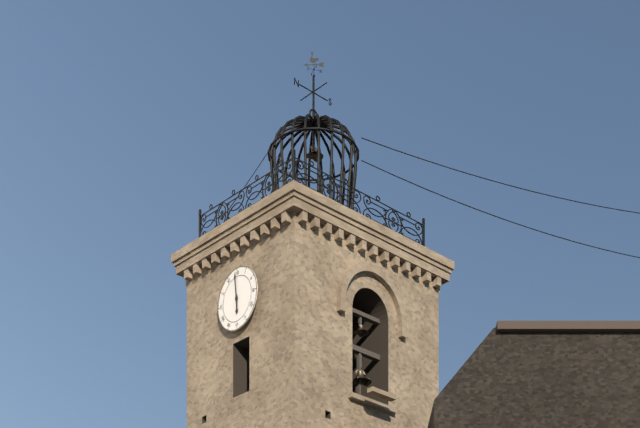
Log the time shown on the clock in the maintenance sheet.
5:59
